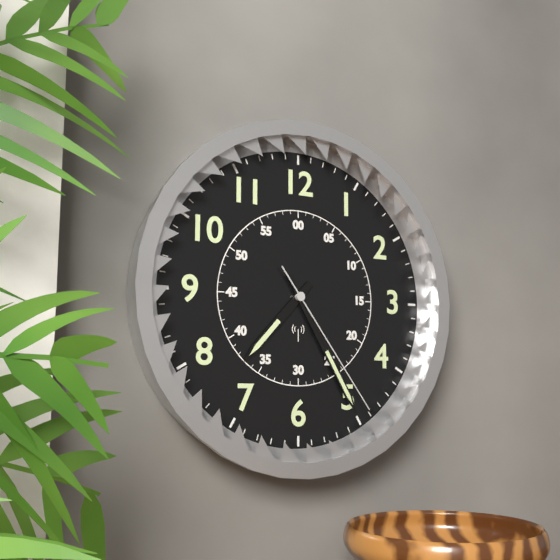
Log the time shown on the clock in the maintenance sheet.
7:25:24
